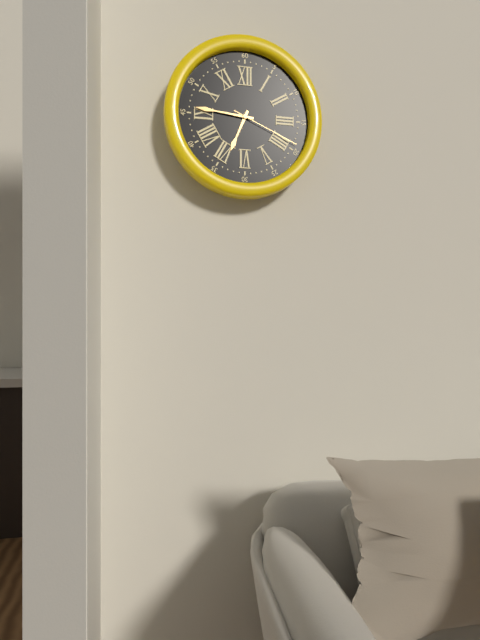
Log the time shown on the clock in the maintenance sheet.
6:46:19
